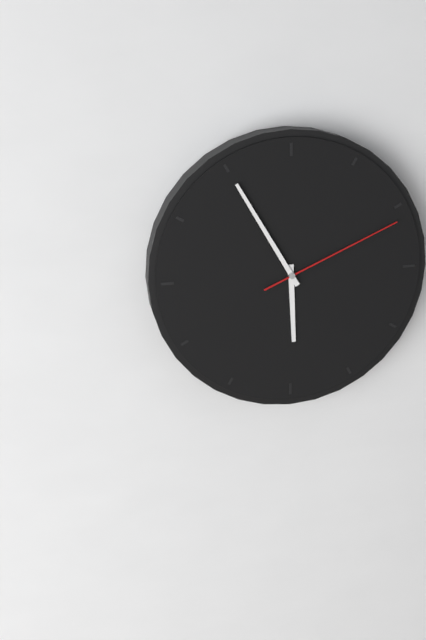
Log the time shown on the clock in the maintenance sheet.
5:55:11
